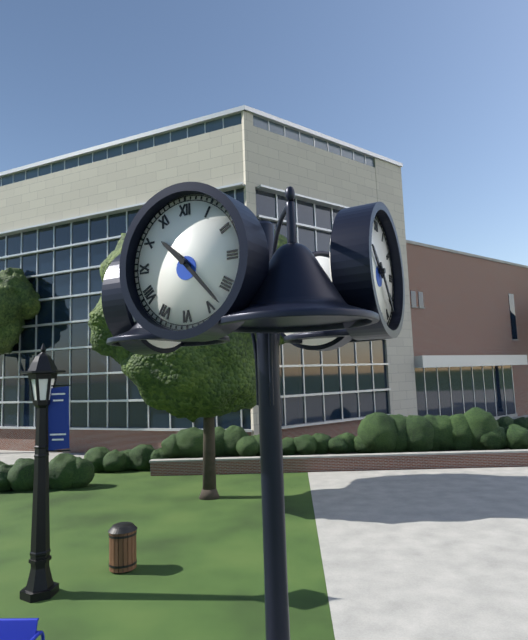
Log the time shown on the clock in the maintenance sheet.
10:23
